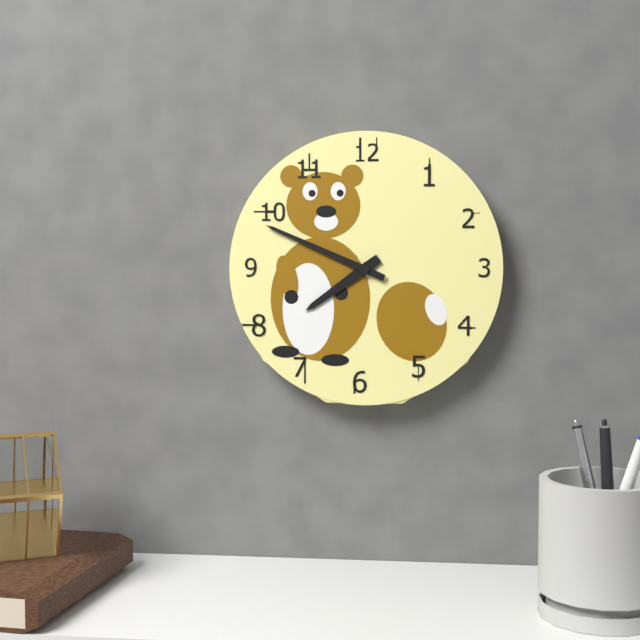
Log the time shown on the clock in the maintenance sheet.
7:49
